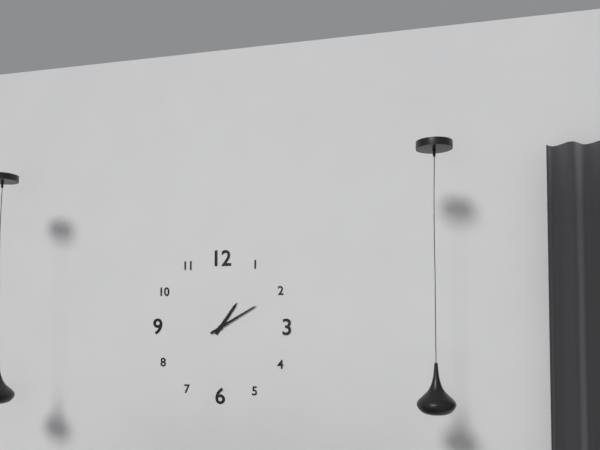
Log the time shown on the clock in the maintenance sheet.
1:10
